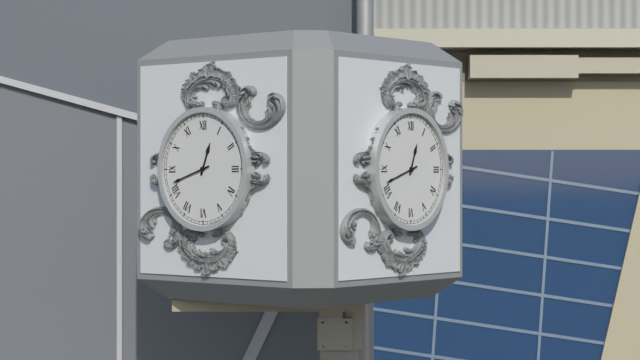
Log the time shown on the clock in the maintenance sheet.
12:42
